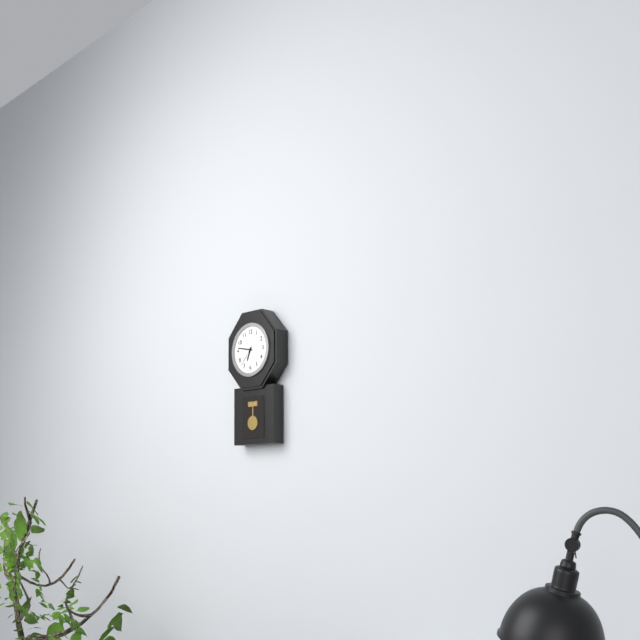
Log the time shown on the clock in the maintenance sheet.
6:47
